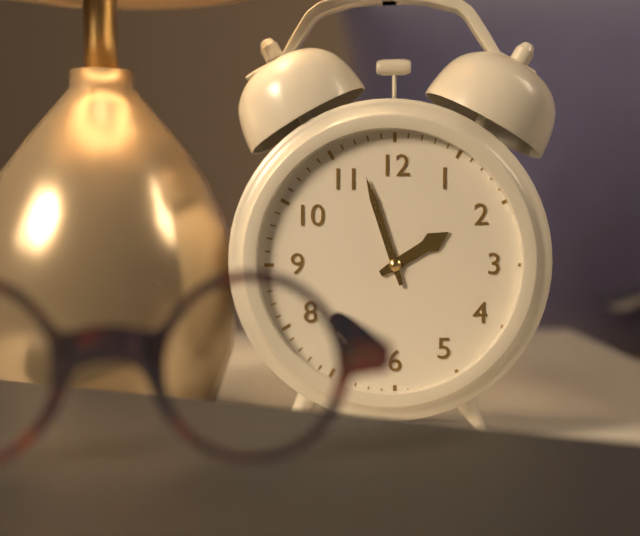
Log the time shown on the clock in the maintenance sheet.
1:57
